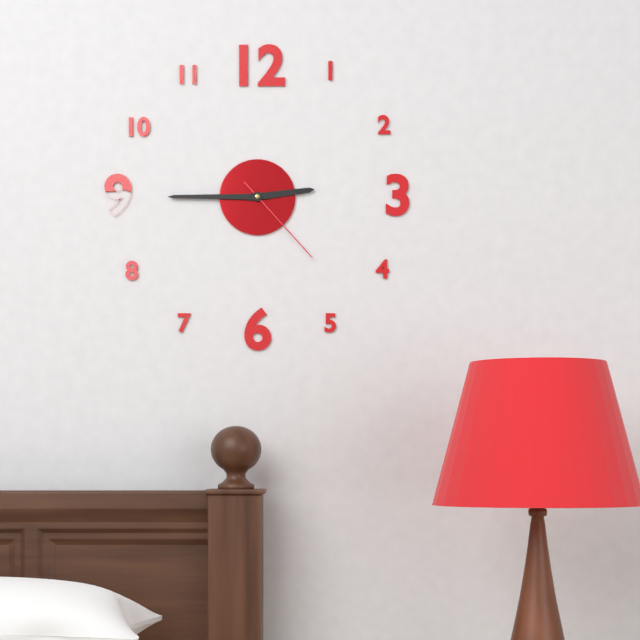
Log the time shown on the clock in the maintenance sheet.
2:45:23
